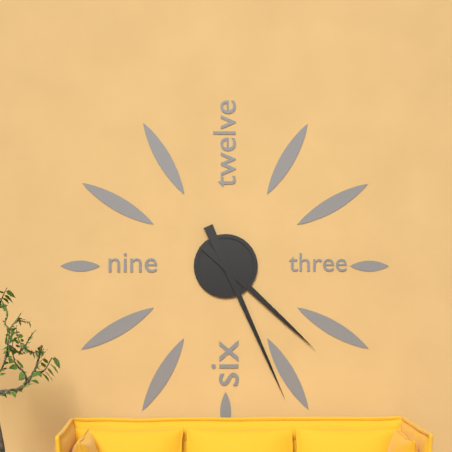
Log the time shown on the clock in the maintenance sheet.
4:26
